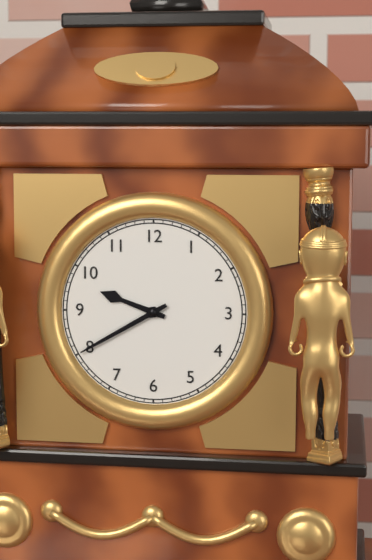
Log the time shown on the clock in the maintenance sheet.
9:40
